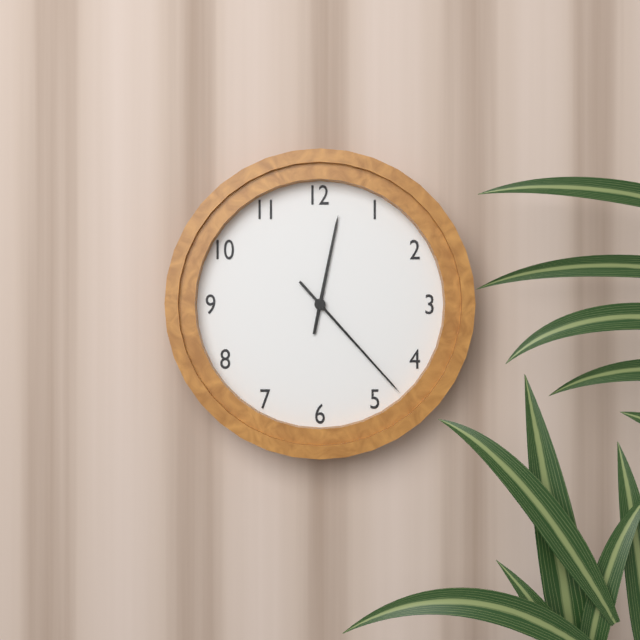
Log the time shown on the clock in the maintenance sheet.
12:23
